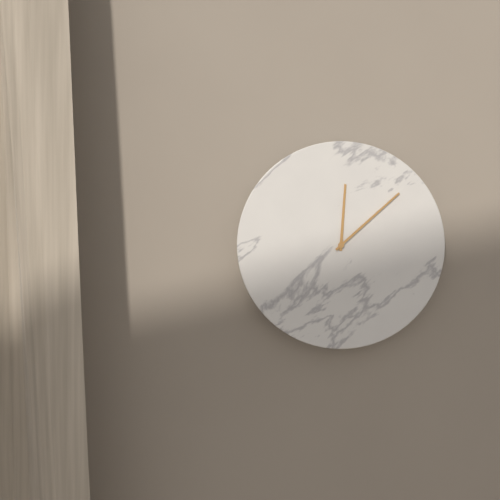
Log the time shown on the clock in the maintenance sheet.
12:08
